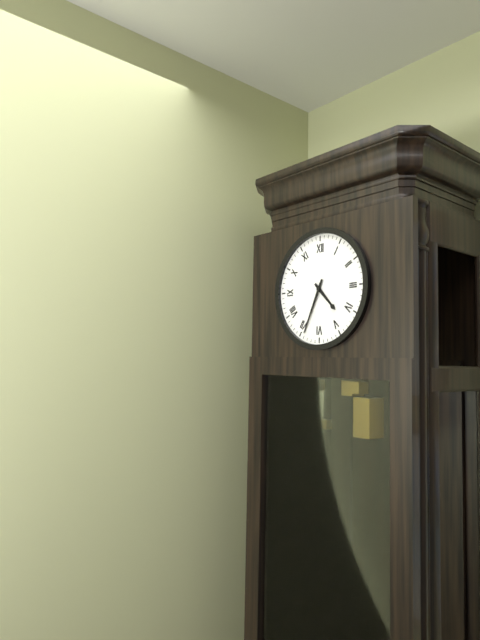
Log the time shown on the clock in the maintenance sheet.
4:34
